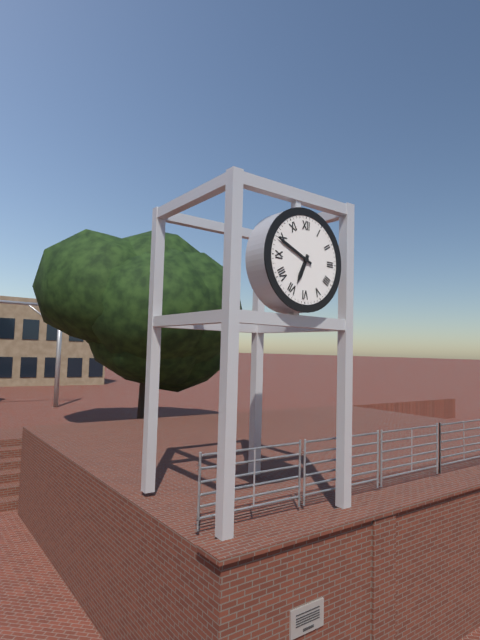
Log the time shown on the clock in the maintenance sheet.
6:49
